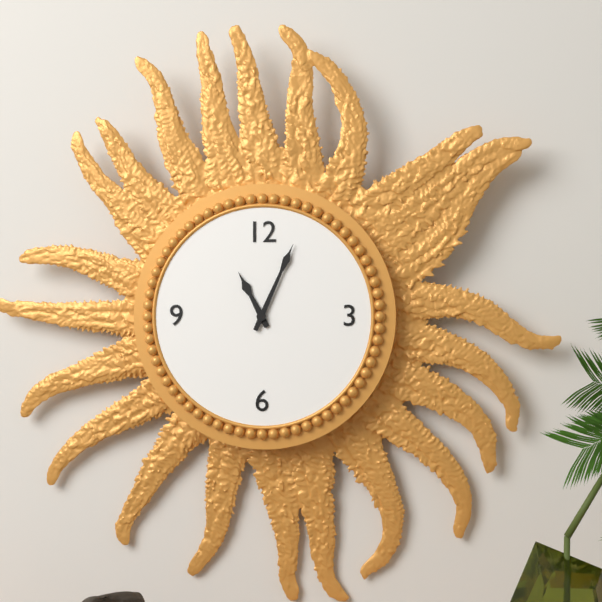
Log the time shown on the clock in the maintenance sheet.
11:04
